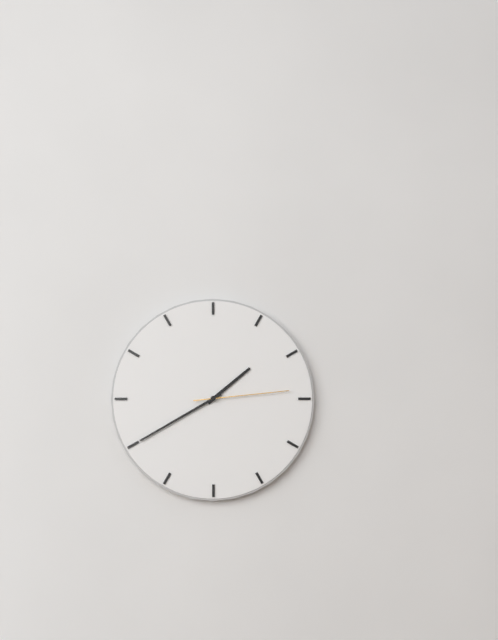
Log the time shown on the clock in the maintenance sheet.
1:40:14
